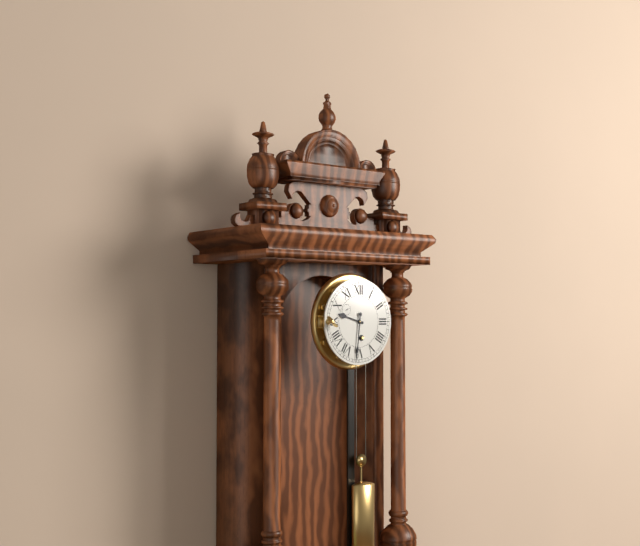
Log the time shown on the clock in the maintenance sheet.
9:31
